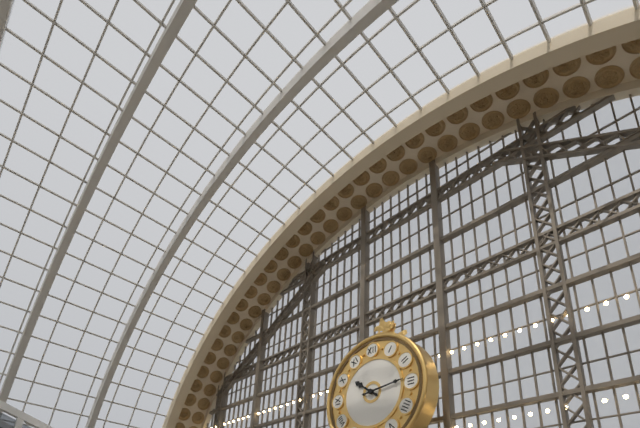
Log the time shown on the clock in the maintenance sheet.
10:14
